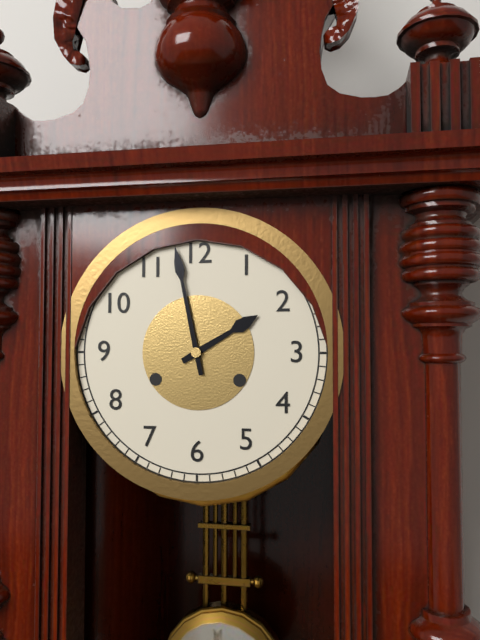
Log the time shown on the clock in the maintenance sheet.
1:58
